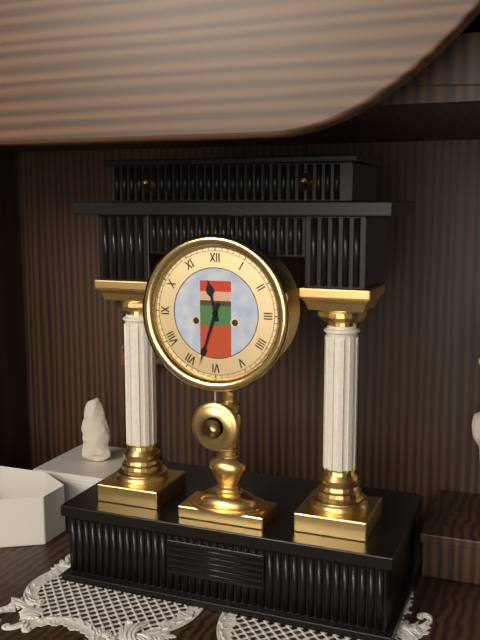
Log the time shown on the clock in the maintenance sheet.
11:33
